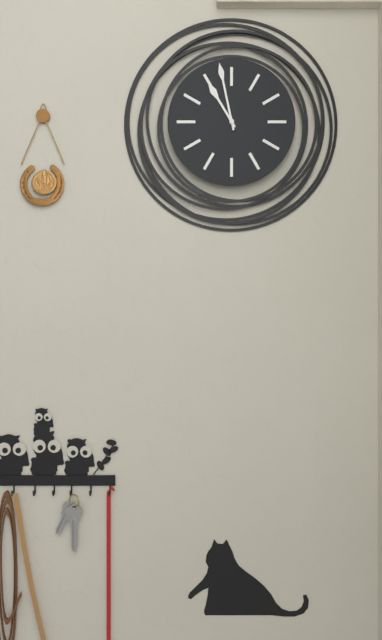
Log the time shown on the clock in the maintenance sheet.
10:58
